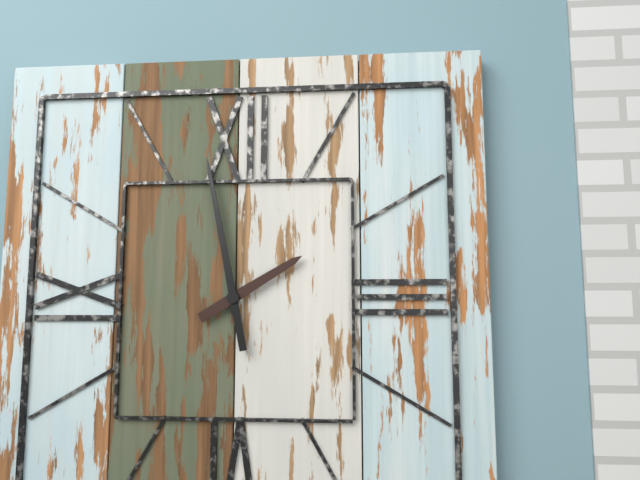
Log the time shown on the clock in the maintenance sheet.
1:58
